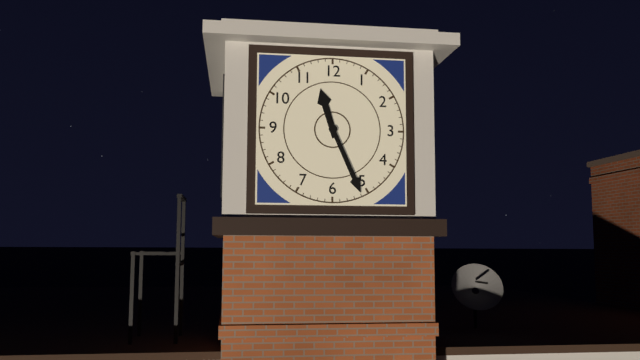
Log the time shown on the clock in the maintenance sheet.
11:26
